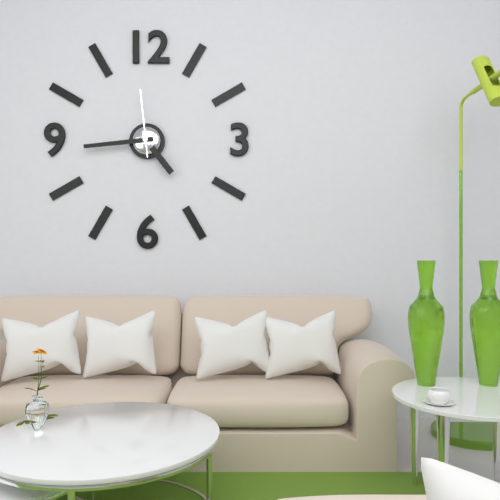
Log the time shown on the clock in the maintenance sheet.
4:44:59
